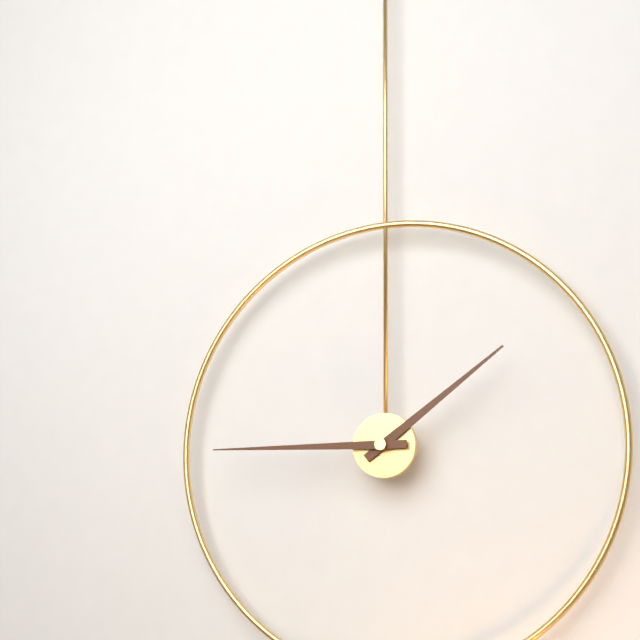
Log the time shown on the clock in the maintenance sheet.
1:45
